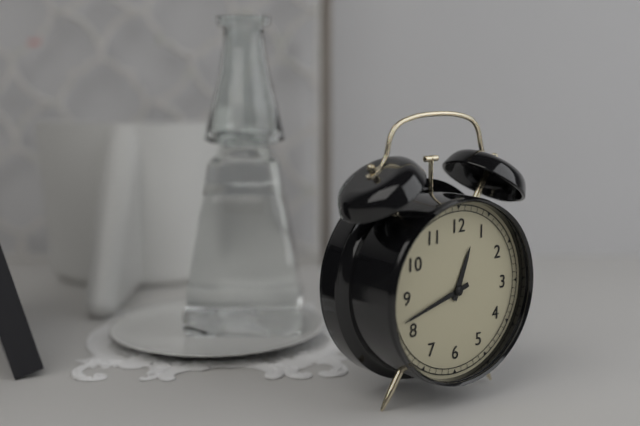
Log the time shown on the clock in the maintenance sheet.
12:42
